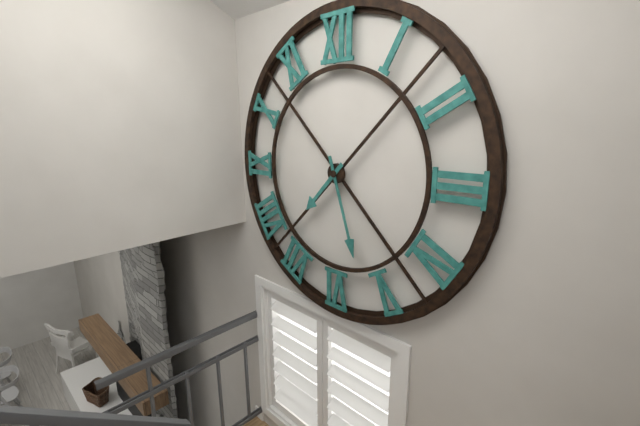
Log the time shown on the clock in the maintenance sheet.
7:27
